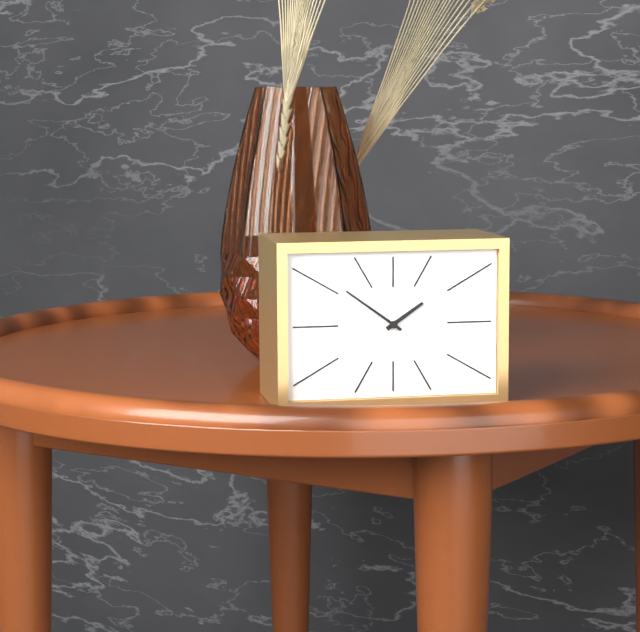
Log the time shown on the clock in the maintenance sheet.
1:51
